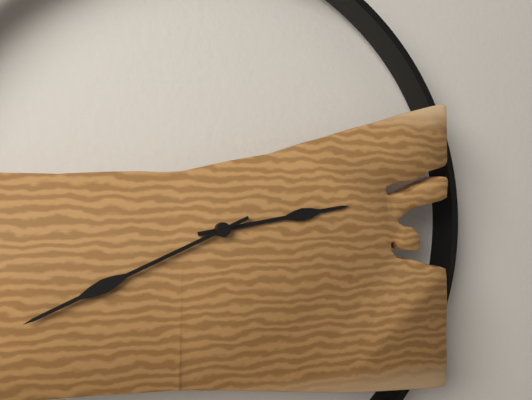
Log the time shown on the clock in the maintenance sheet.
2:41
